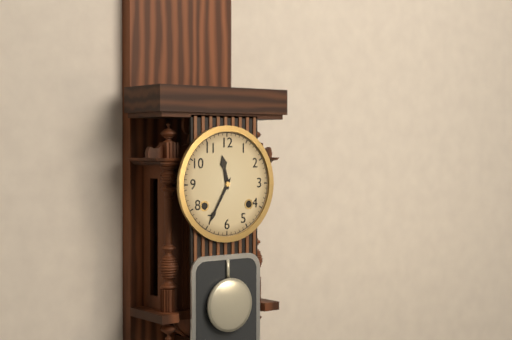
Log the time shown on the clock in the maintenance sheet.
11:35
